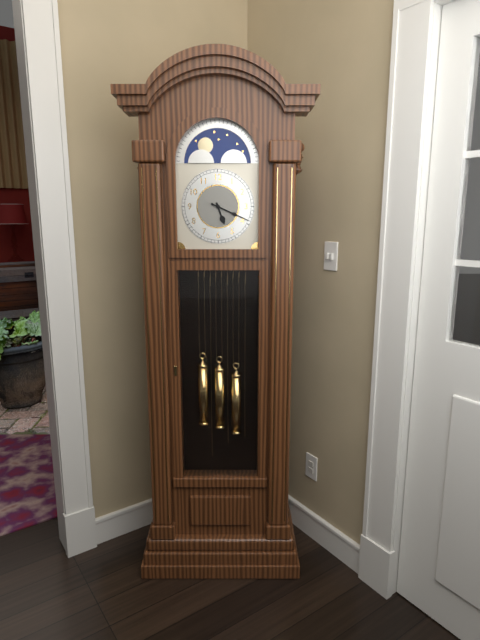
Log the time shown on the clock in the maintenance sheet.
5:19
